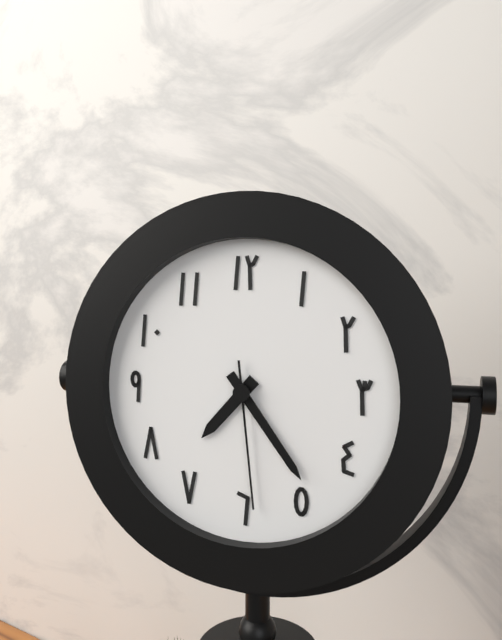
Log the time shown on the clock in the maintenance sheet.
7:24:29
